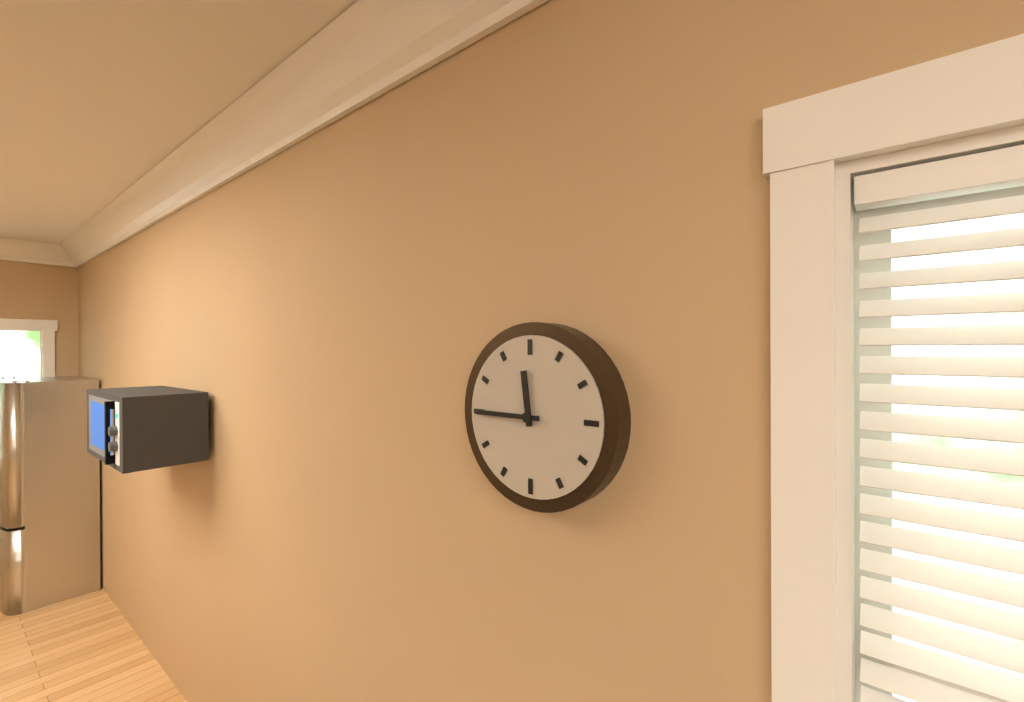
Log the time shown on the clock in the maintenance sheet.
11:45
